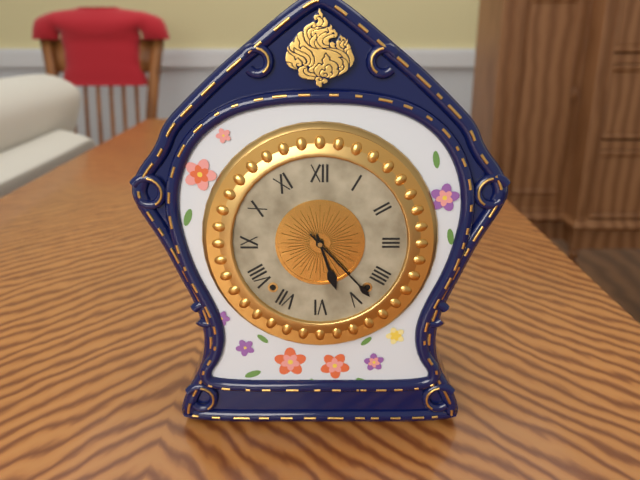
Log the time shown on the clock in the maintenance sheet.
5:23
